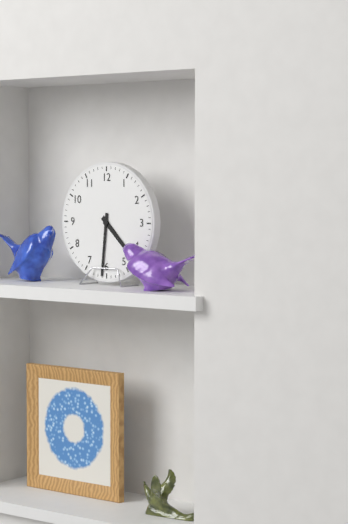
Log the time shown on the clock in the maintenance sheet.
4:31
